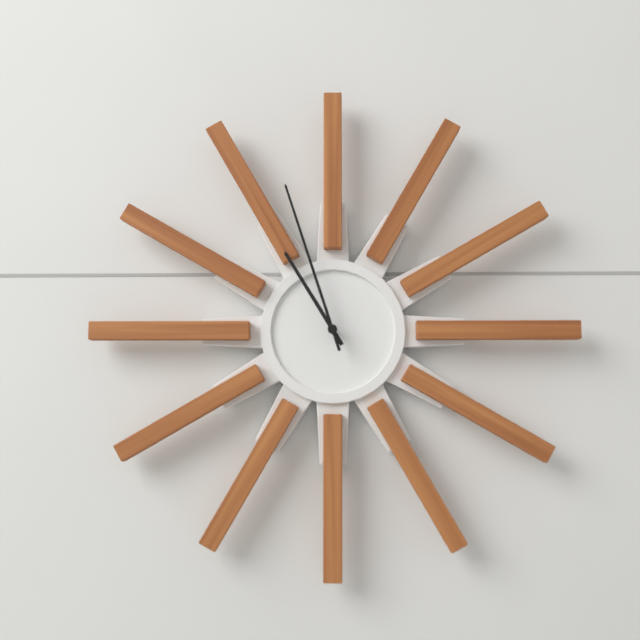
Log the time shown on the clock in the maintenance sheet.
10:57
